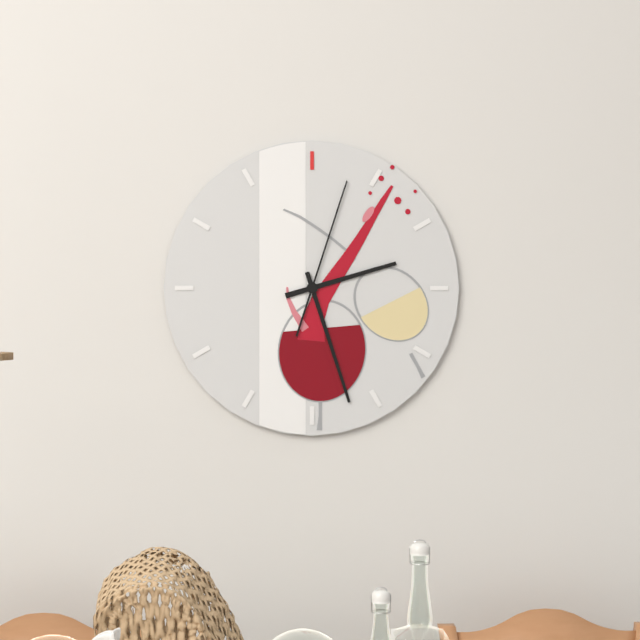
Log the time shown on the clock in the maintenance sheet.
2:27:03
